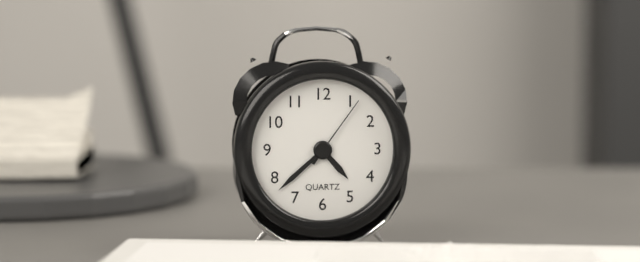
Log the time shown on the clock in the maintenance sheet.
4:38:06
